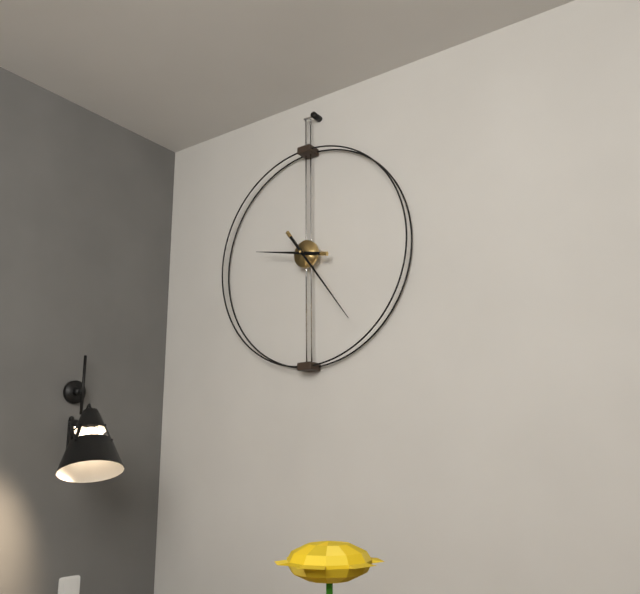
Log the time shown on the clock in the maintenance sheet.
9:24
